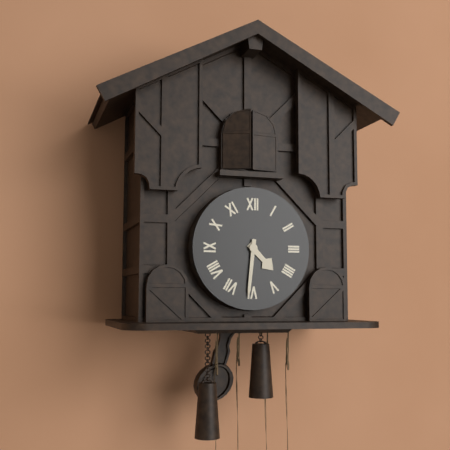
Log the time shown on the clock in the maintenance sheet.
4:31
